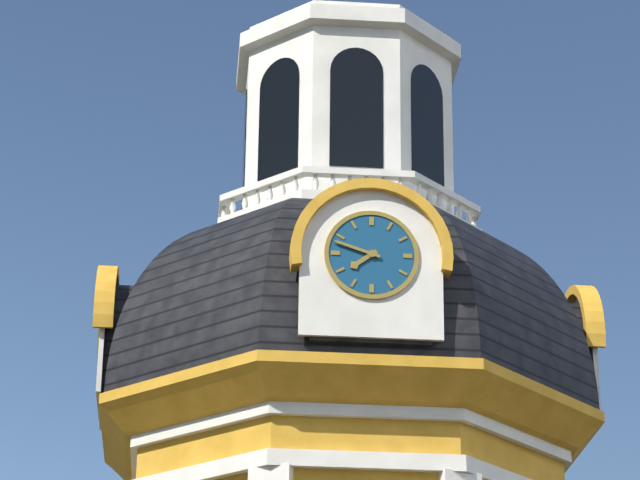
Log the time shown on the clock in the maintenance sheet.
7:48
